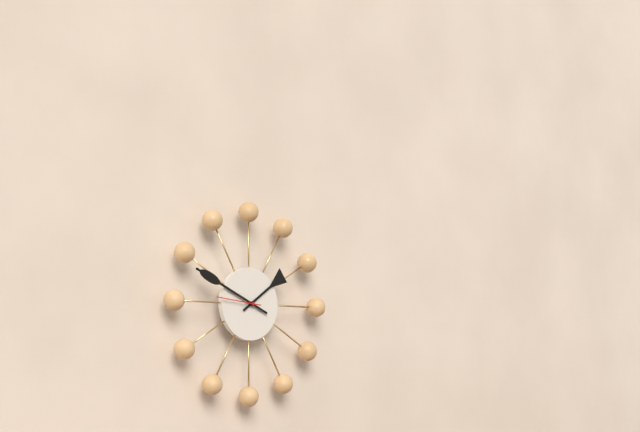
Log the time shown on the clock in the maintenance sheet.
1:49
